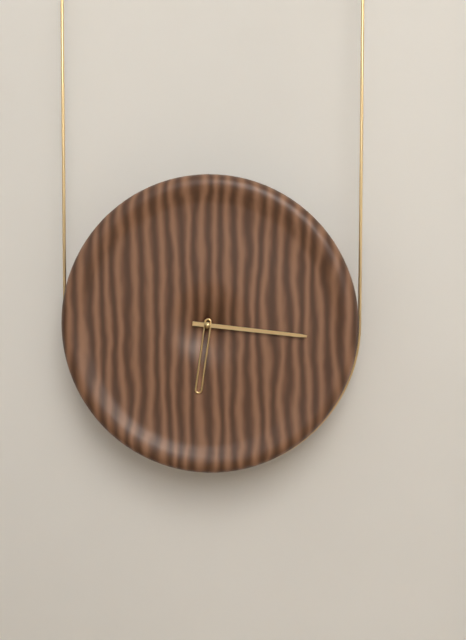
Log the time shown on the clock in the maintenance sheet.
6:16
